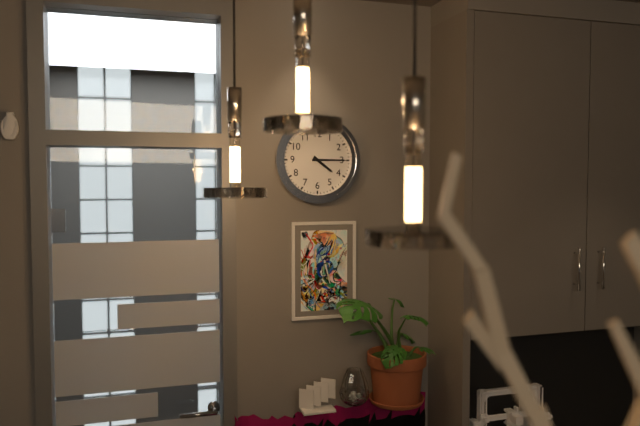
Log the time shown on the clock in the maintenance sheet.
4:15
